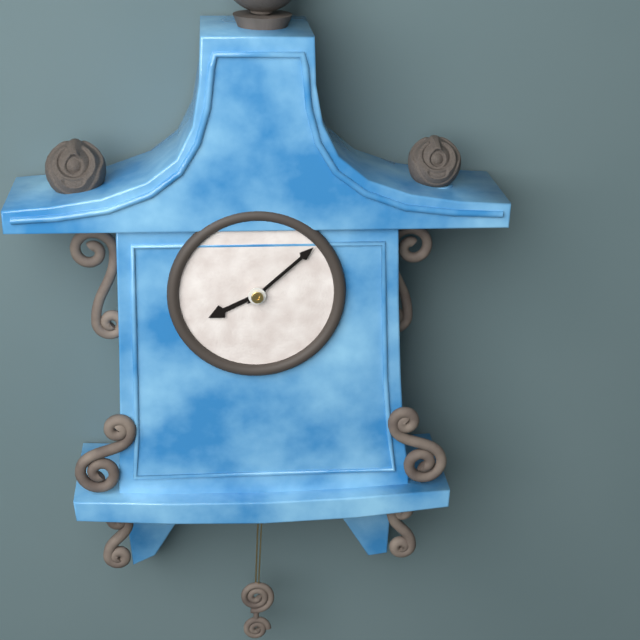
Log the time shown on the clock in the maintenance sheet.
8:08
